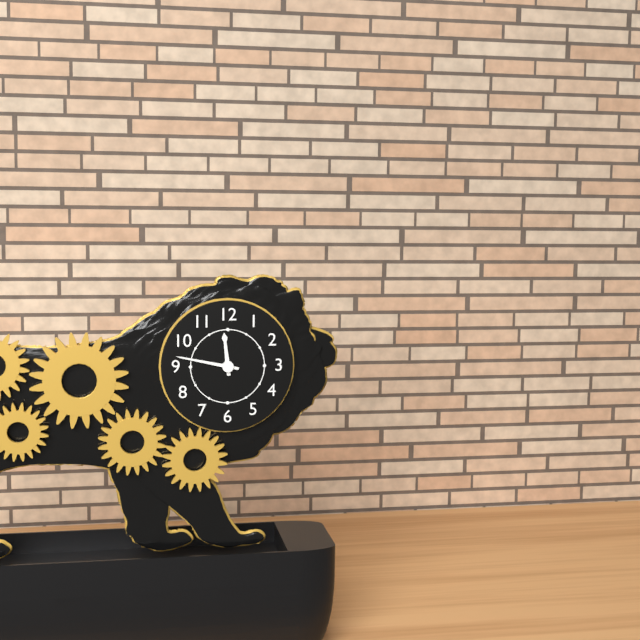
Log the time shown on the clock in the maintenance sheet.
11:47
